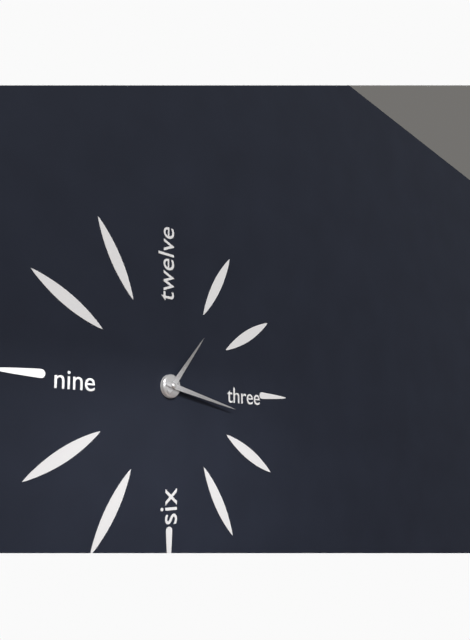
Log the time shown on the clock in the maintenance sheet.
1:17
